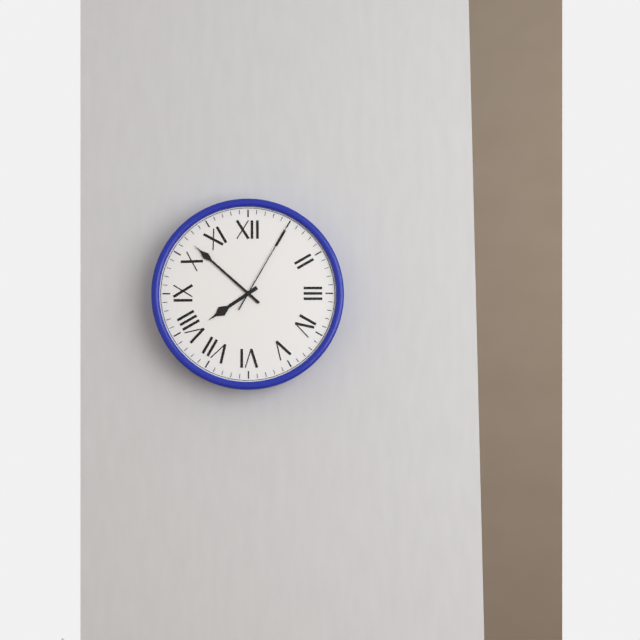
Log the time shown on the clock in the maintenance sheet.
7:52:05
